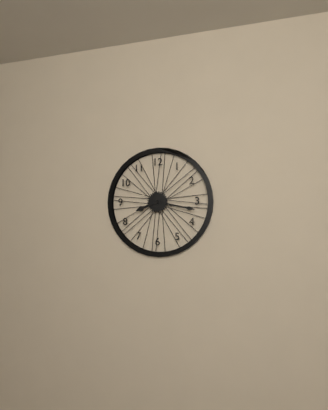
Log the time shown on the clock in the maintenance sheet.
8:17
